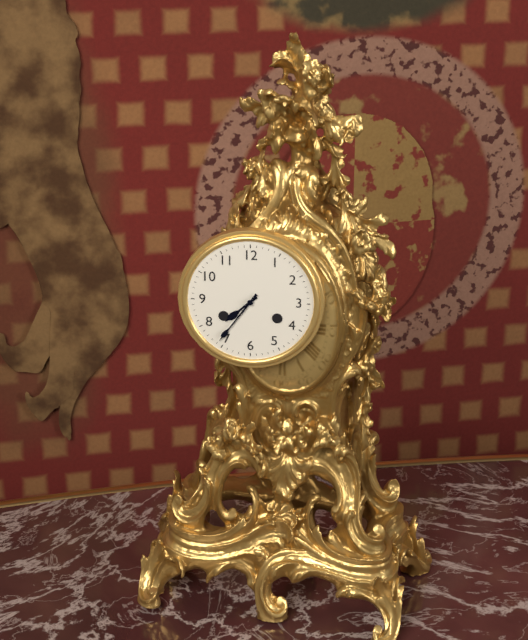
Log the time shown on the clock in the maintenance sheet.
7:36
